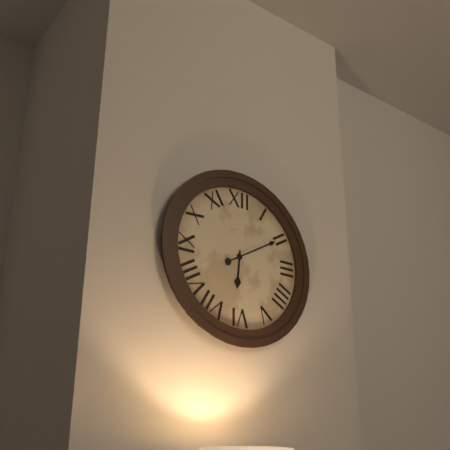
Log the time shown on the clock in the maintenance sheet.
6:10
